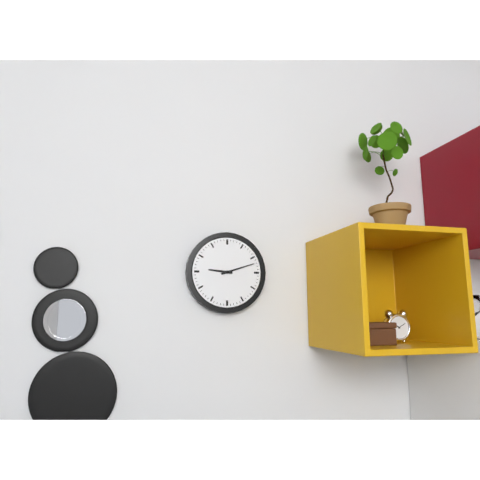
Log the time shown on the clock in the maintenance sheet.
9:12
